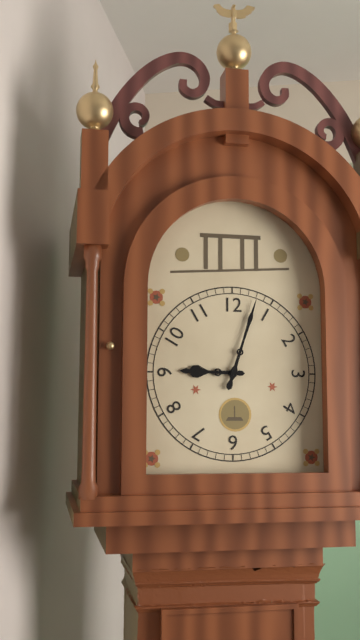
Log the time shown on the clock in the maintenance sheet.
9:03
